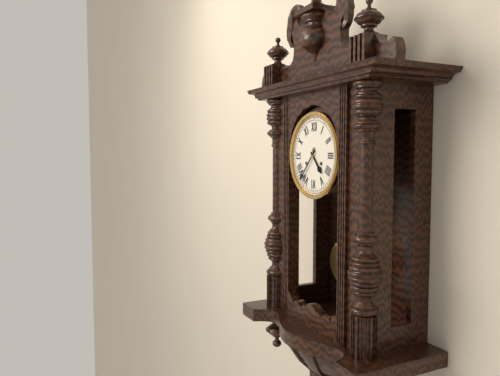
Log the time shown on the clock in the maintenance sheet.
4:37
